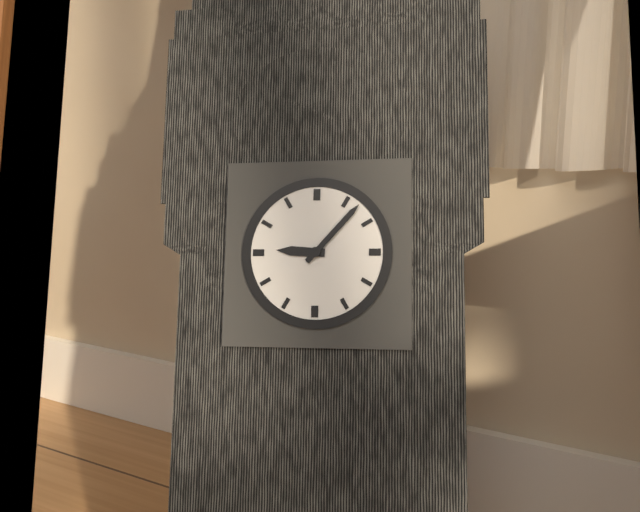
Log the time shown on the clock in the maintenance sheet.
9:07
